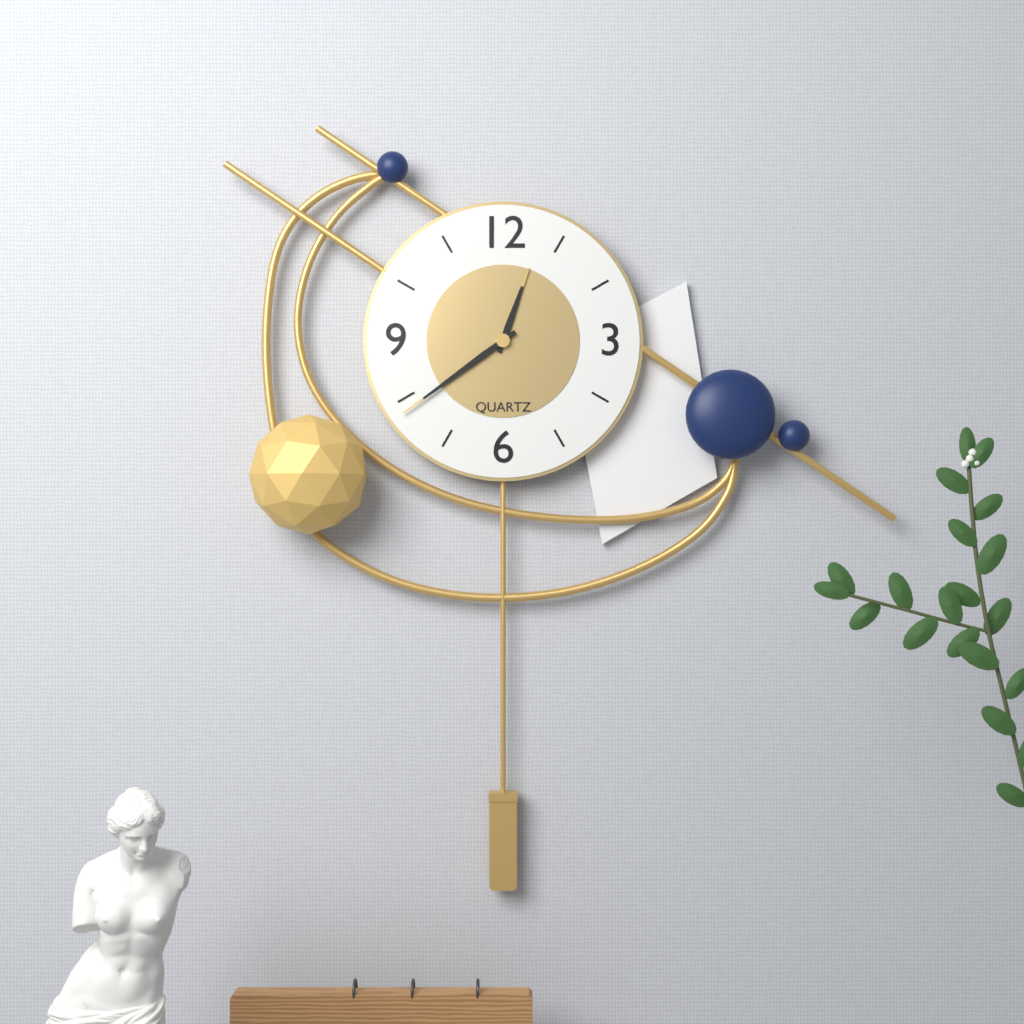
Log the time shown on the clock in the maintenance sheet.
12:39
